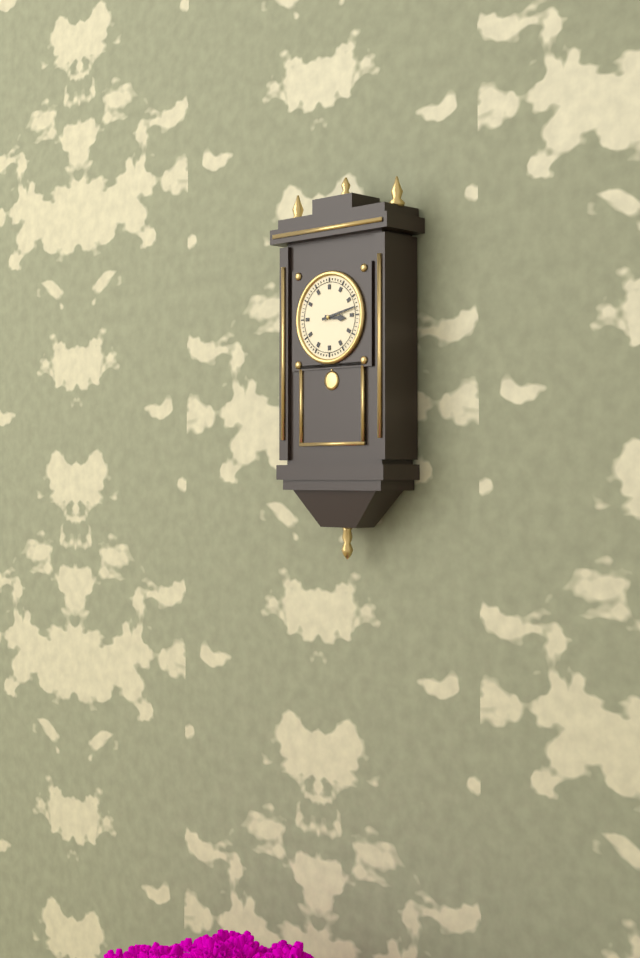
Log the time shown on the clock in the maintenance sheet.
3:13
